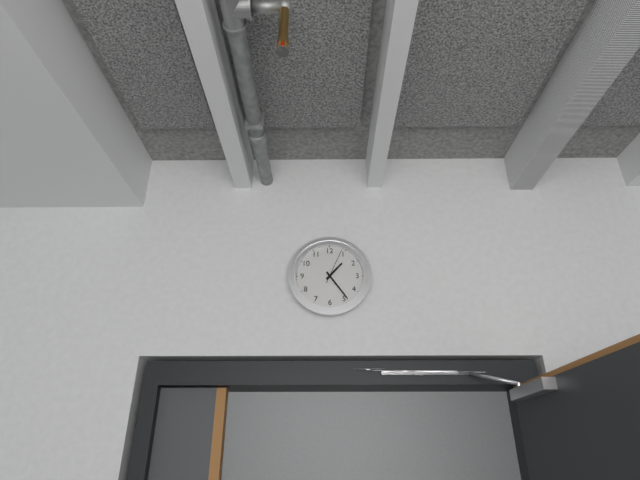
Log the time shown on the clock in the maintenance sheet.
1:24
